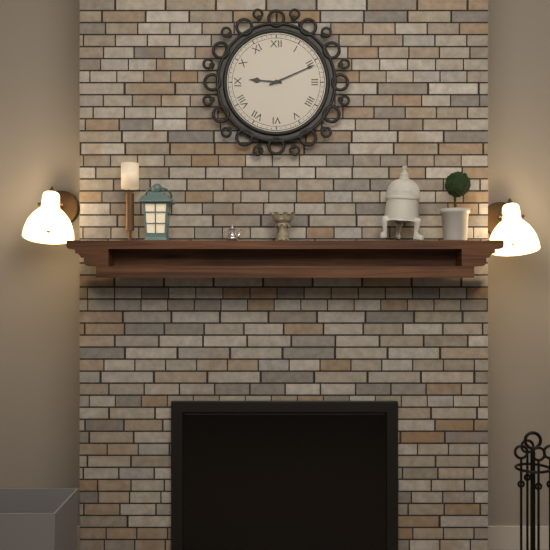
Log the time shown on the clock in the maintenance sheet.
9:11
